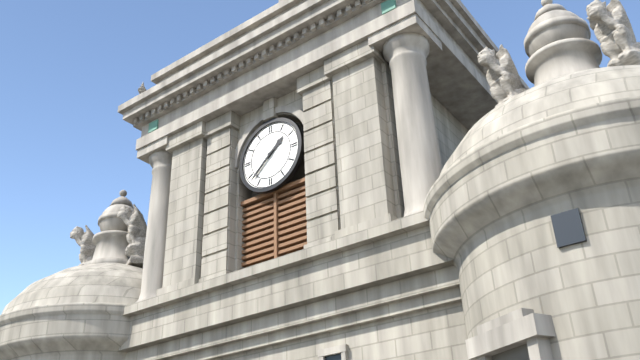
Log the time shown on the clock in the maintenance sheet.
1:38
